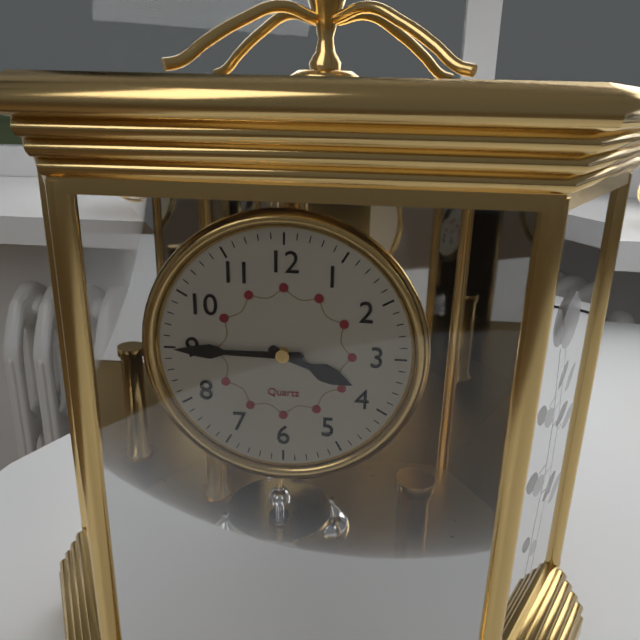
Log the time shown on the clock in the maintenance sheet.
3:45
